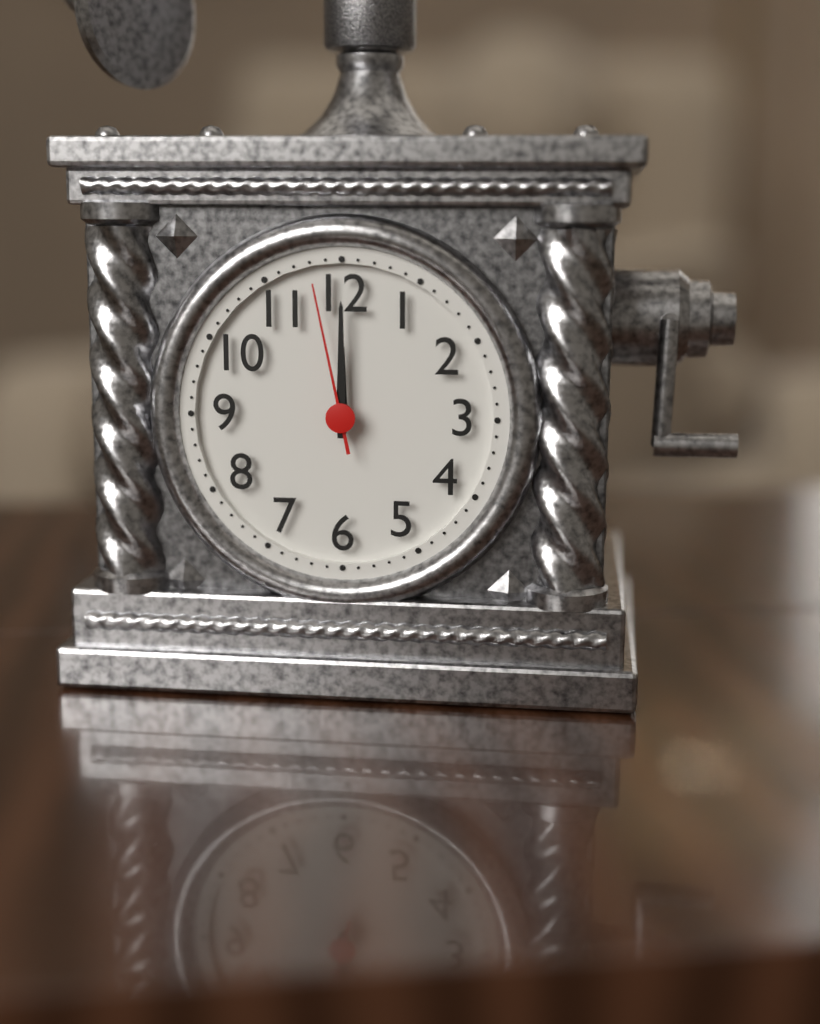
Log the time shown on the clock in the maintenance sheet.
12:00:58
